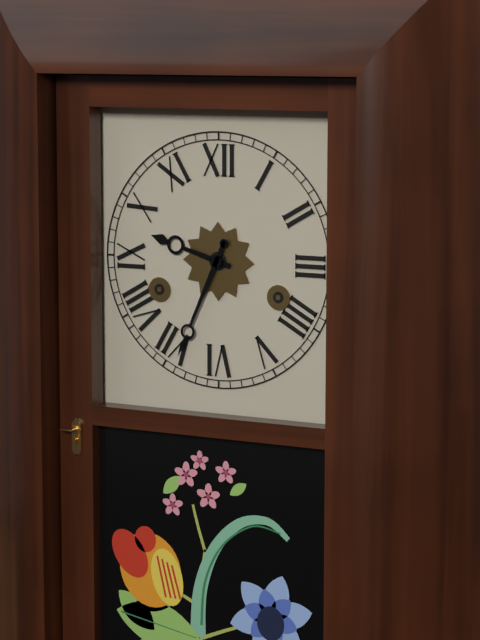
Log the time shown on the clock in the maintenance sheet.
9:34
